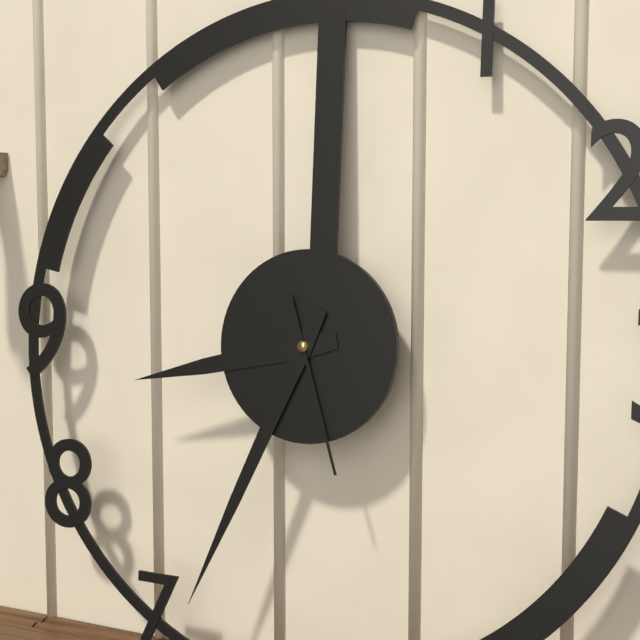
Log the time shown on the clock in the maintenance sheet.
8:34:27
